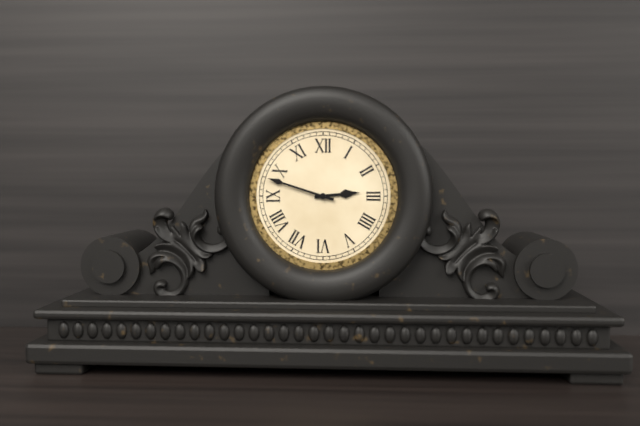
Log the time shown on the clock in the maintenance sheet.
2:48
